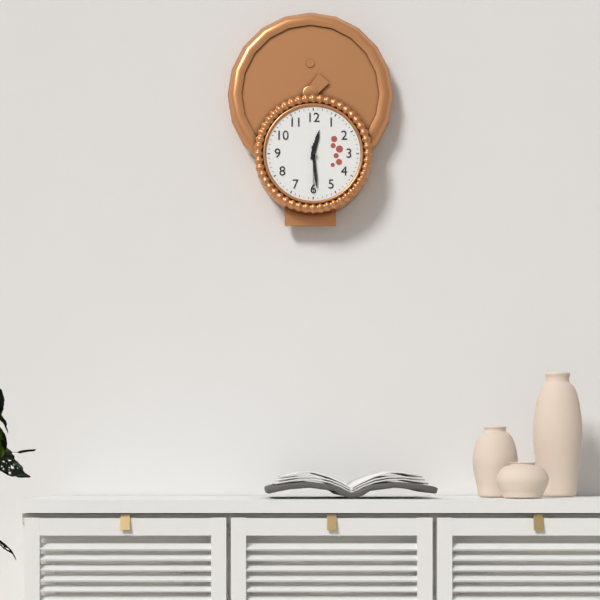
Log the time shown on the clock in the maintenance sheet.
12:29
